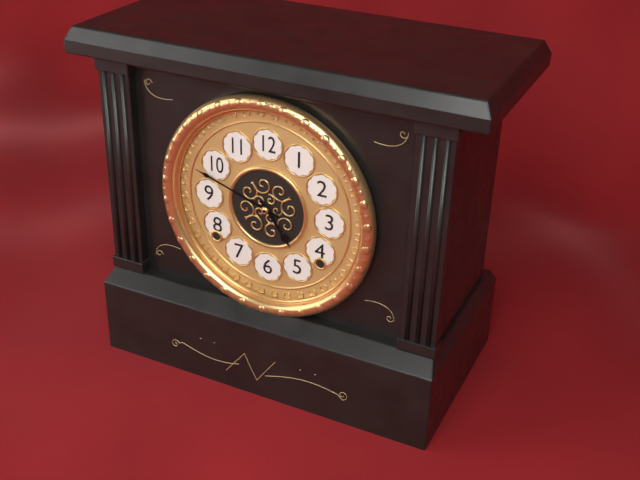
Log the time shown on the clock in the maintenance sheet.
4:48
